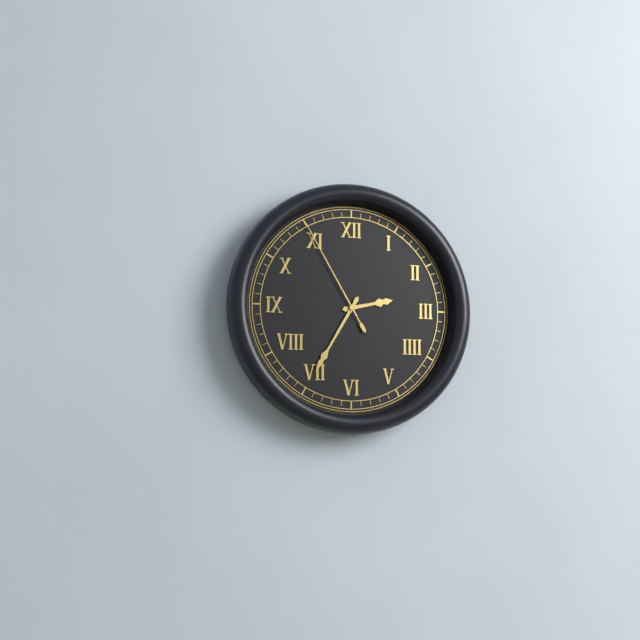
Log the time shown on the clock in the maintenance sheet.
2:35:55
